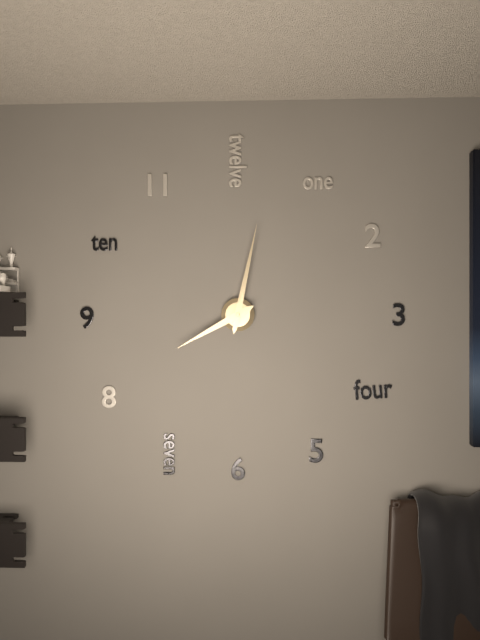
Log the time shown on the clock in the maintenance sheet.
8:02
